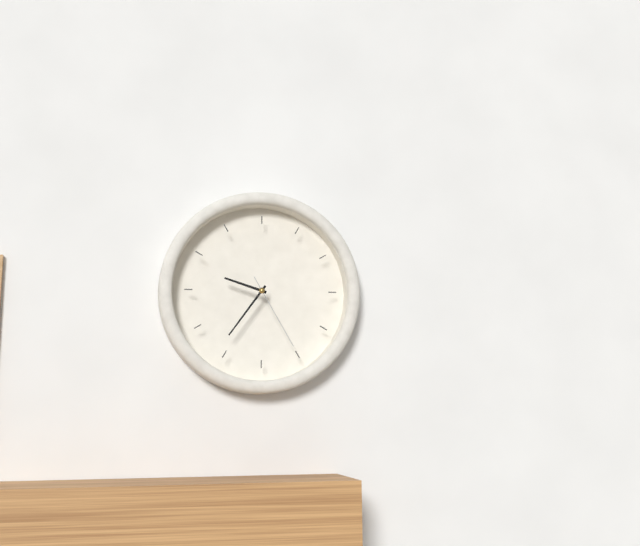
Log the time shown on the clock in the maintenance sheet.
9:36:25
